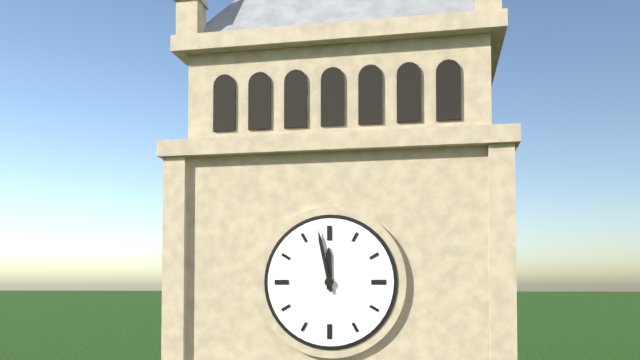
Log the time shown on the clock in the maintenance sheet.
11:58
